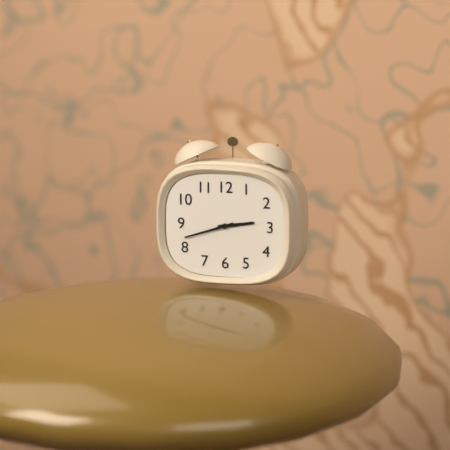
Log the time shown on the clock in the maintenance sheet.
2:42
